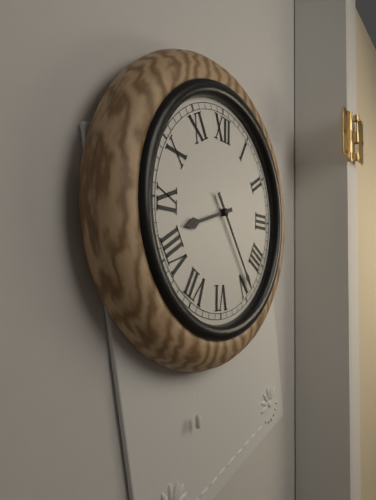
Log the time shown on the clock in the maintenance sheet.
8:24
